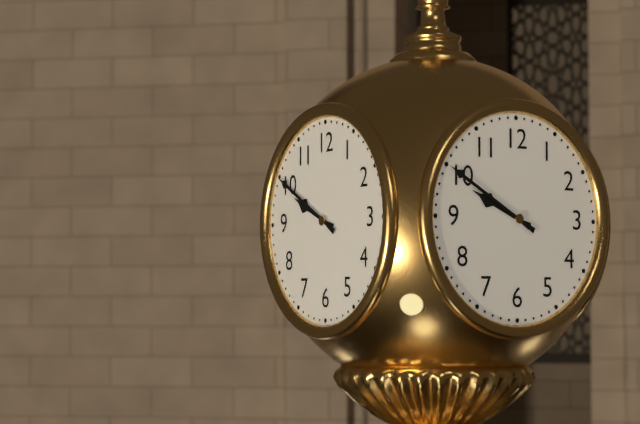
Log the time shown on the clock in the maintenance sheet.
9:50
